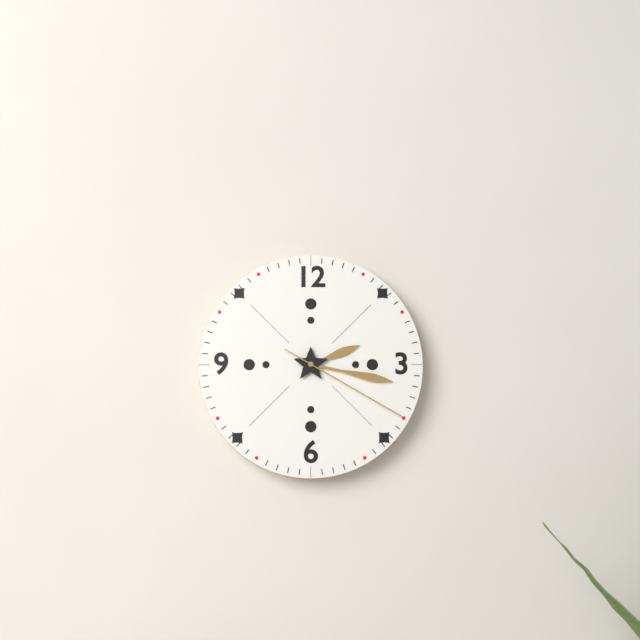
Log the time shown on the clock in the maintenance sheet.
2:17:20
